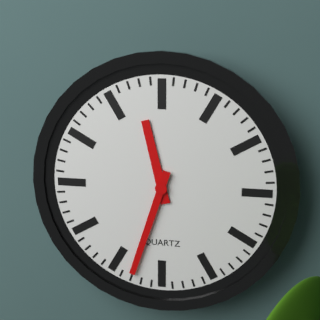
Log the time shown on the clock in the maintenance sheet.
11:33
